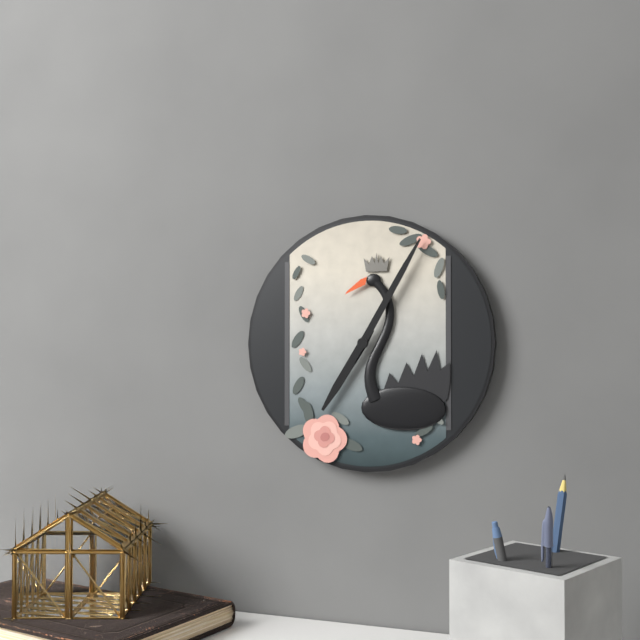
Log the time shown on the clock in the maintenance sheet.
7:05
